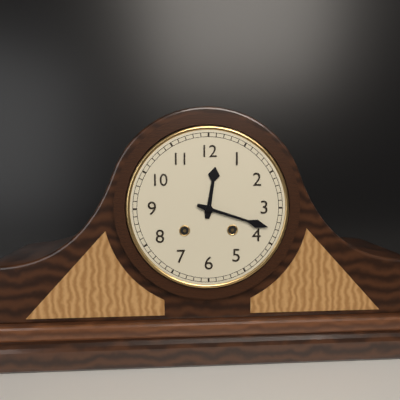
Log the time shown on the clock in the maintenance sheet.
12:18
